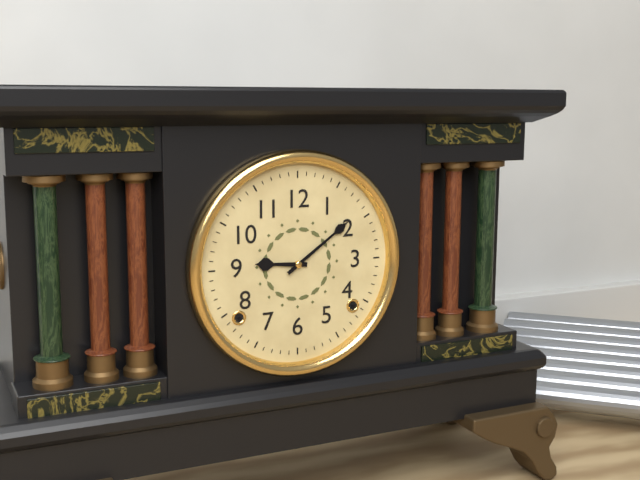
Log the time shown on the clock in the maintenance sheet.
9:09
